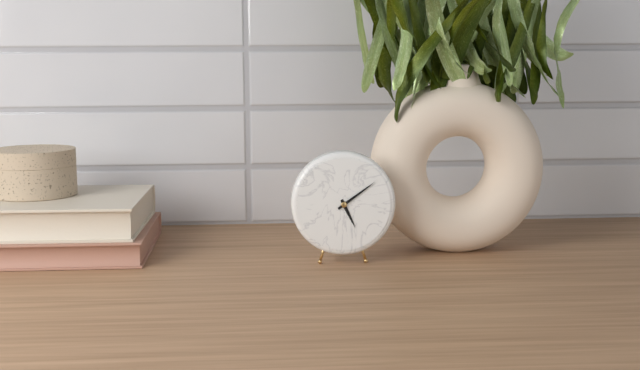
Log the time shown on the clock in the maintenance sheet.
5:09
